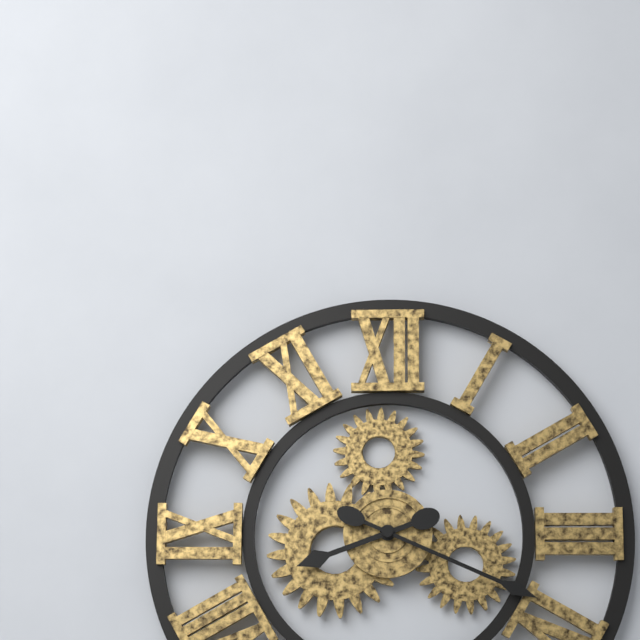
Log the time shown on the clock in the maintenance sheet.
8:19
